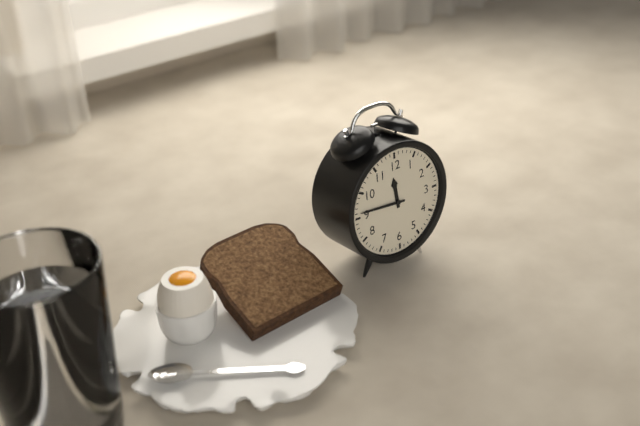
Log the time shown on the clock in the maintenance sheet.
11:46
